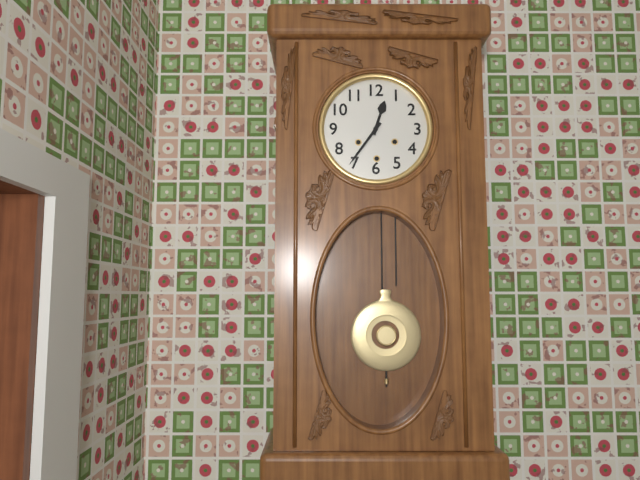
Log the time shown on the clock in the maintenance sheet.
12:36
